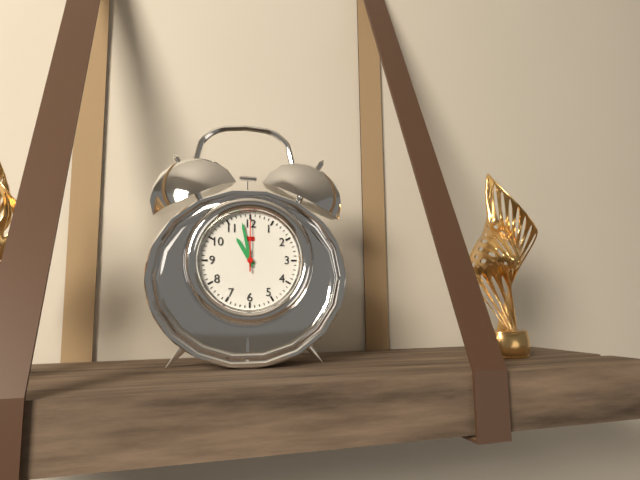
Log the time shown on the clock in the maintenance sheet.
10:58:00
